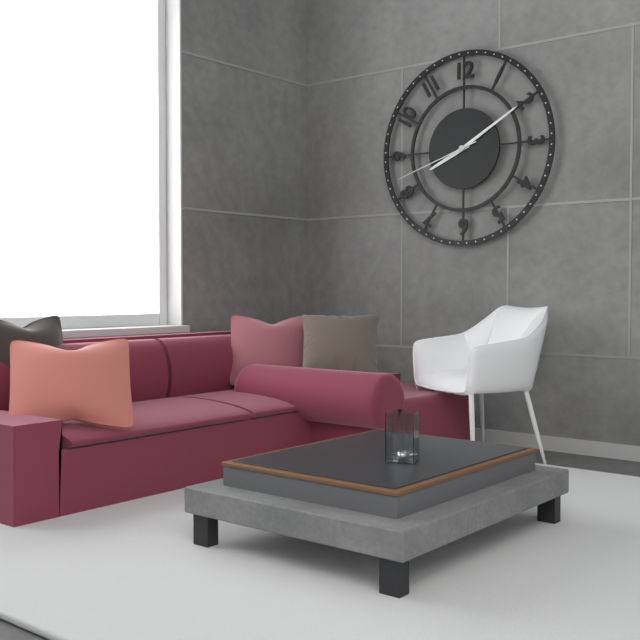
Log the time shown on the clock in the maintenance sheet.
8:10:42
